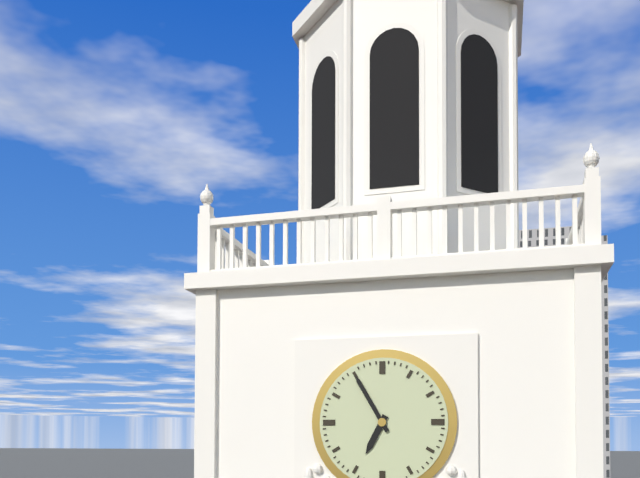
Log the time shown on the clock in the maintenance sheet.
6:55
